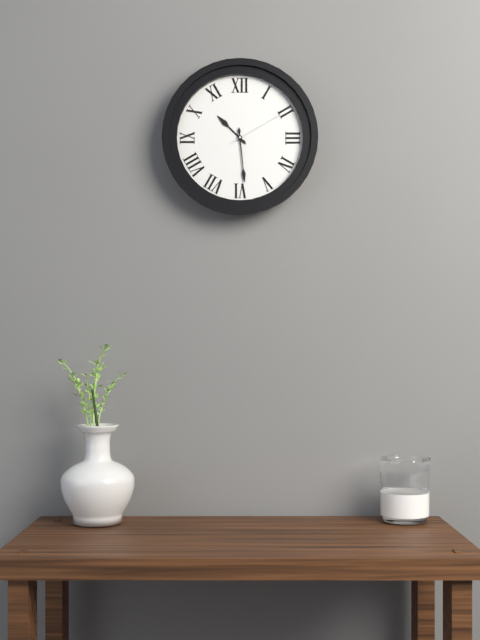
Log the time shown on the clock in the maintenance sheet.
10:29:10
